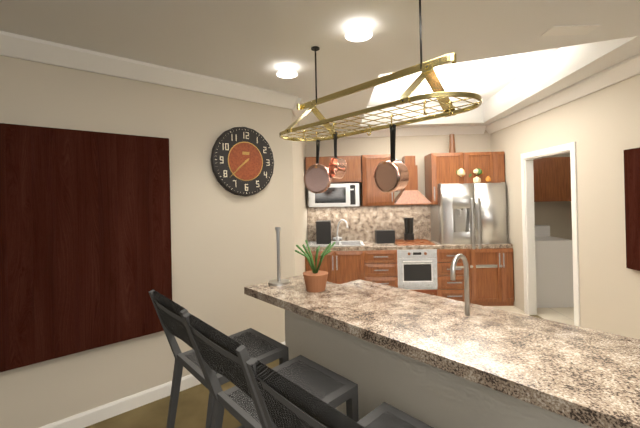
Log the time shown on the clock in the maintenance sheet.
7:38
